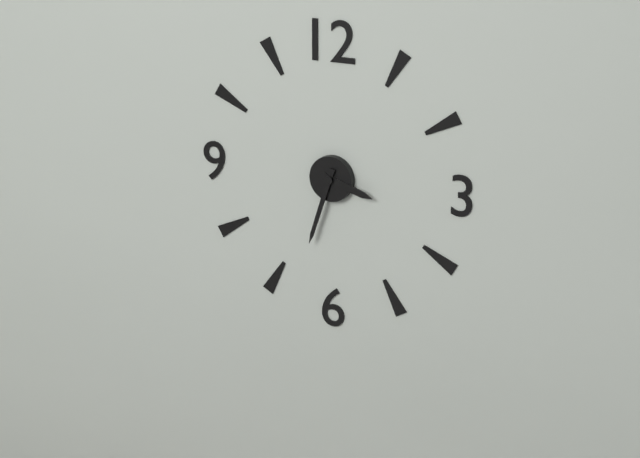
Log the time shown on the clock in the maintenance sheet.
3:33
